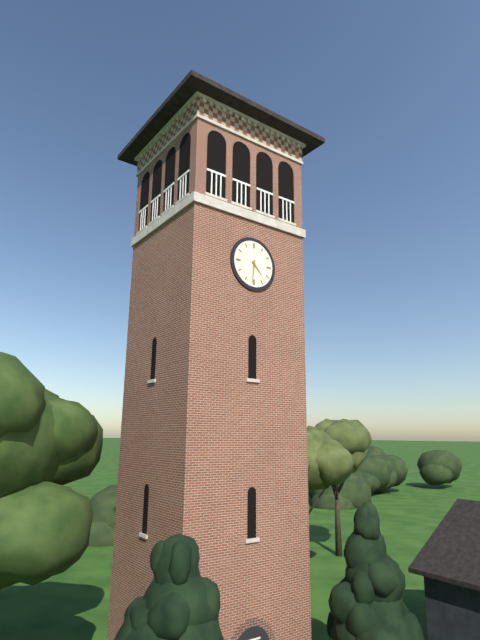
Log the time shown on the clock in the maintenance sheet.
4:31
